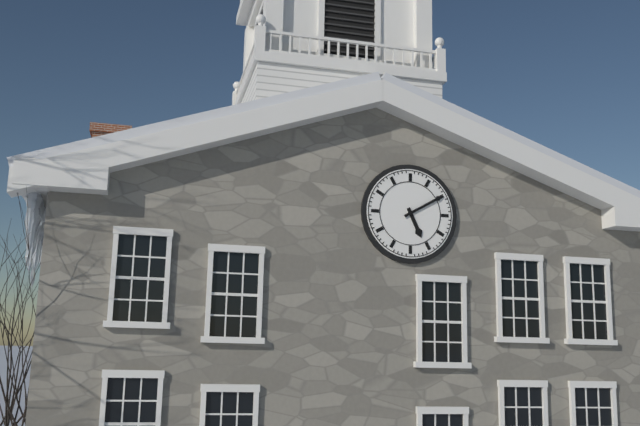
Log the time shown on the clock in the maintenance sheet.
5:10
